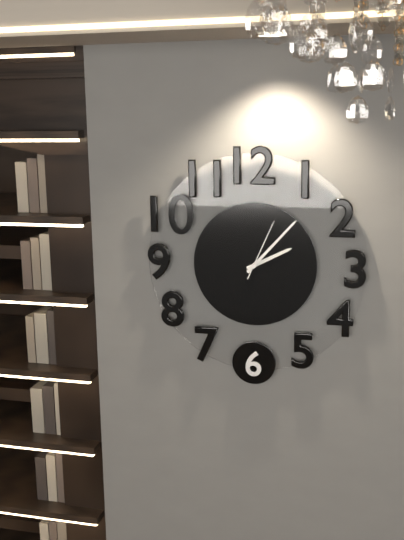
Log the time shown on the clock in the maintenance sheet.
2:07:04
